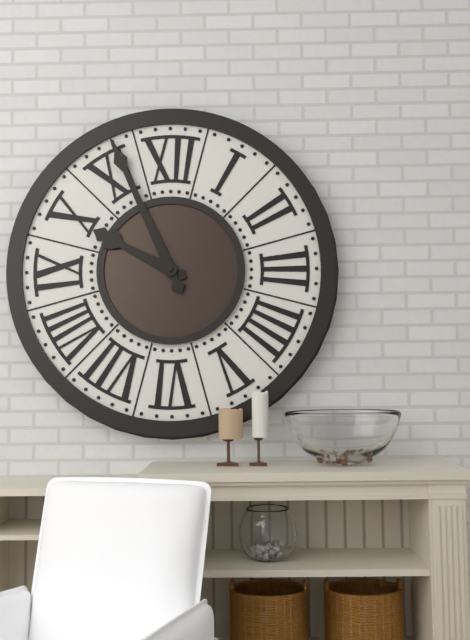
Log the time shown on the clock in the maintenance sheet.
9:56
